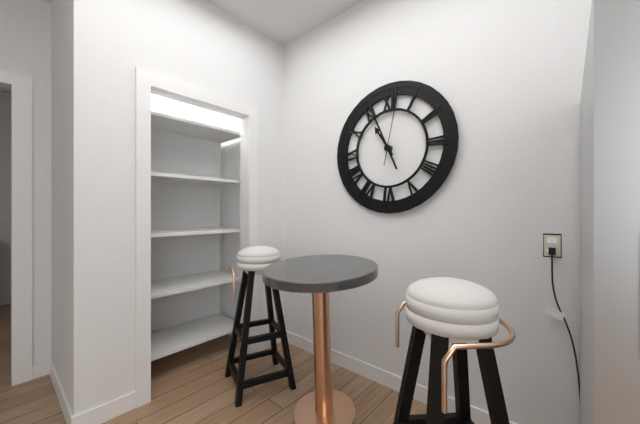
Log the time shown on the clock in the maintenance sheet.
10:56:02
